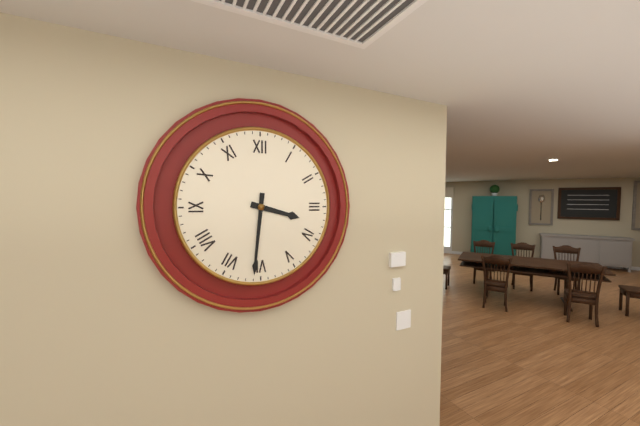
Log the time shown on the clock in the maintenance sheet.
3:31
